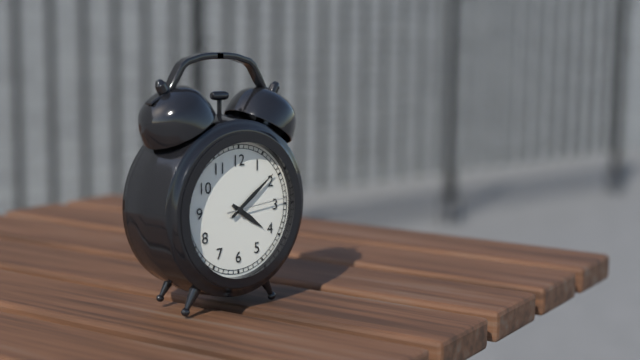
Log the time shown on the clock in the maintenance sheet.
4:09:14
